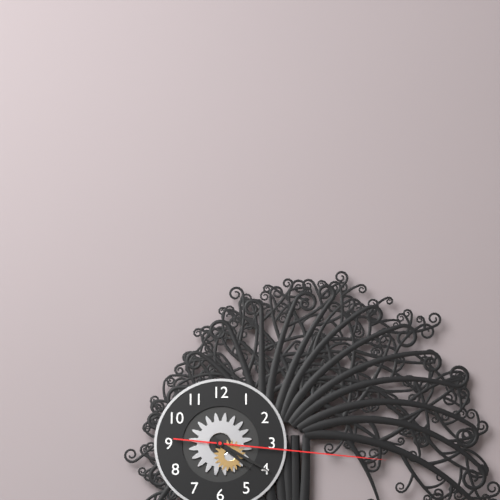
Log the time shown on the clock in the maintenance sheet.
4:20:16
